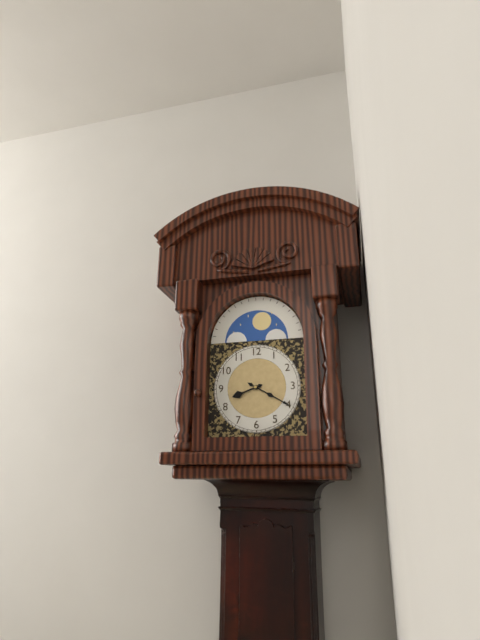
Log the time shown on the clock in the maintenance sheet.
8:20
